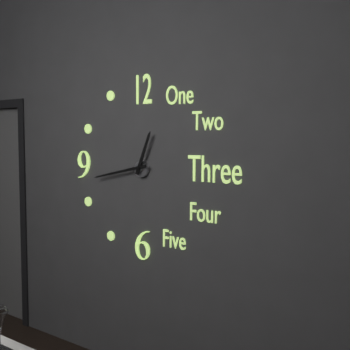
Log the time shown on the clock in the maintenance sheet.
12:43
